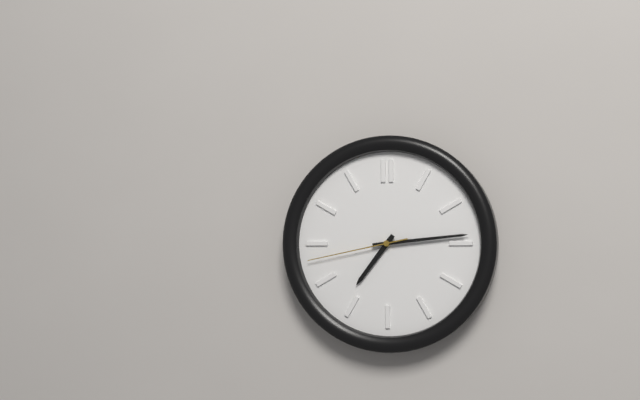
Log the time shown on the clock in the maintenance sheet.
7:14:43
